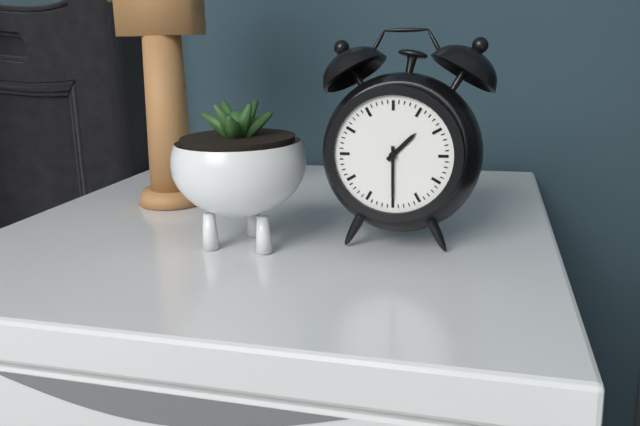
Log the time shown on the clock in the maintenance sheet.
1:30
